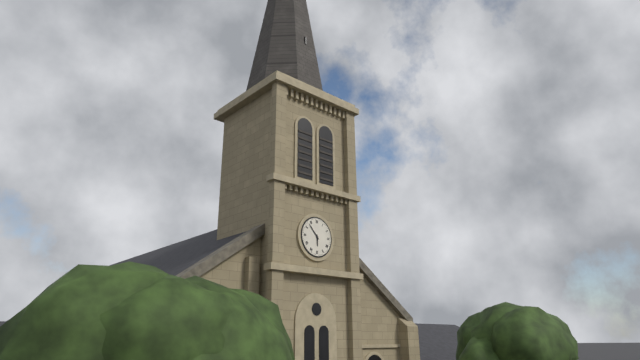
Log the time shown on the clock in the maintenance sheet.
5:53
